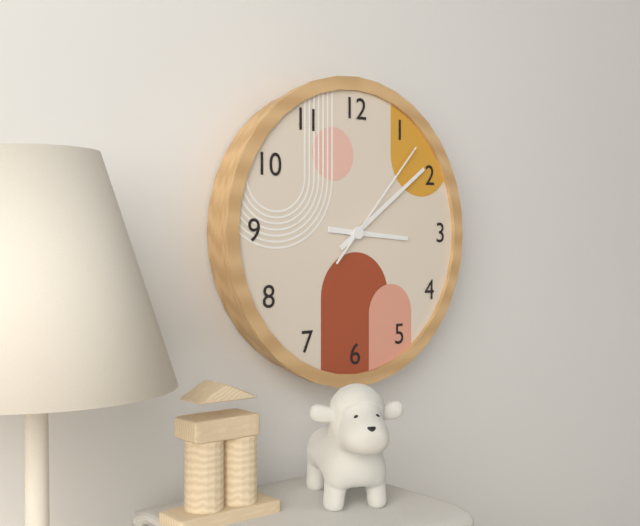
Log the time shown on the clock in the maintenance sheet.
3:09:07
